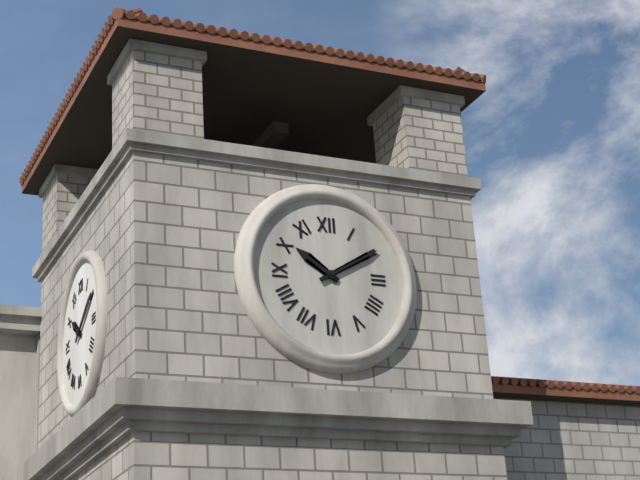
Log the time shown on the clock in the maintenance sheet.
10:10
